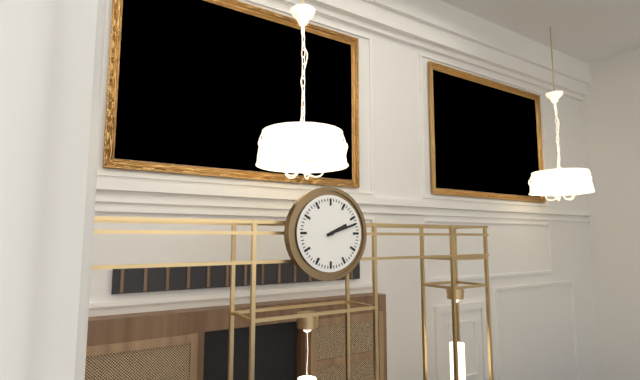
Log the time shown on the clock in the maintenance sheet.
2:12
